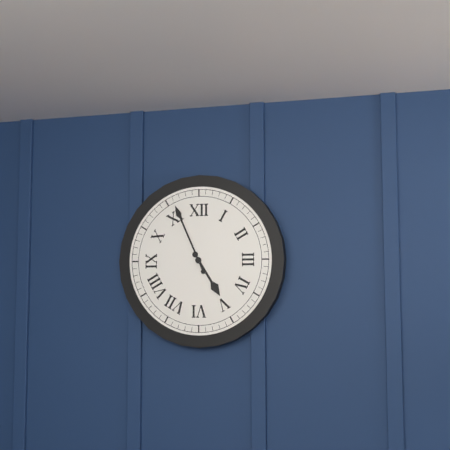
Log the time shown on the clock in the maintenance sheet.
4:56
